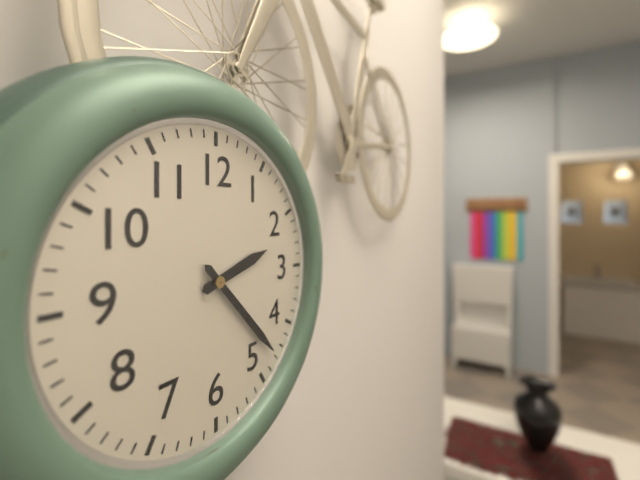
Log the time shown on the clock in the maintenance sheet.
2:23
